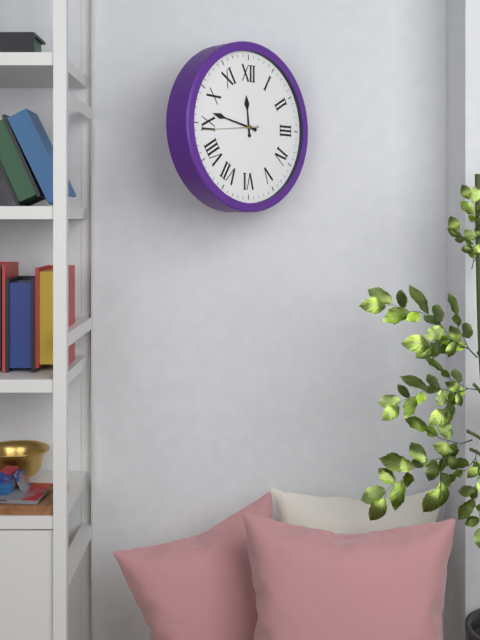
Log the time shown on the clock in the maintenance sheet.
11:47
